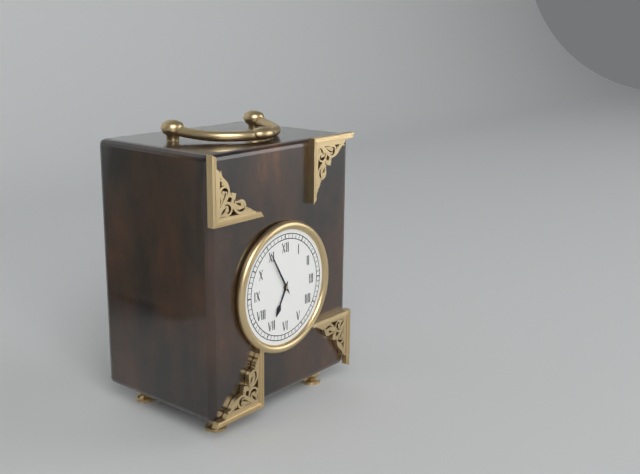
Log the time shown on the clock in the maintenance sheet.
6:55
